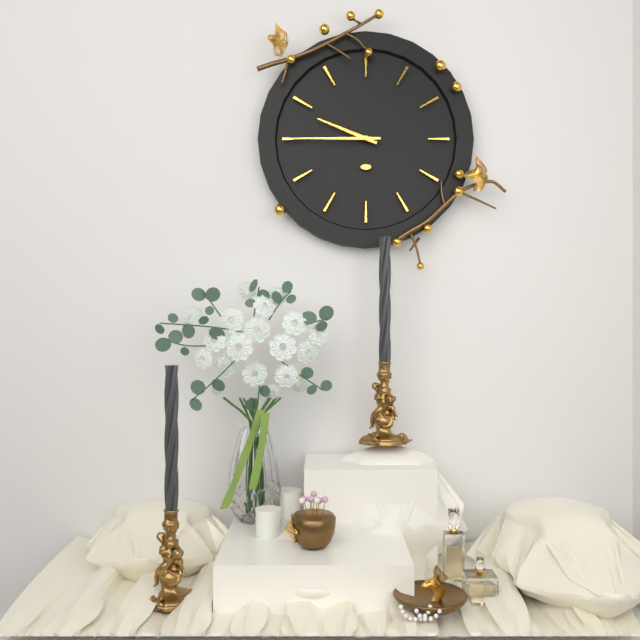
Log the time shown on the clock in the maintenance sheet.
9:45
